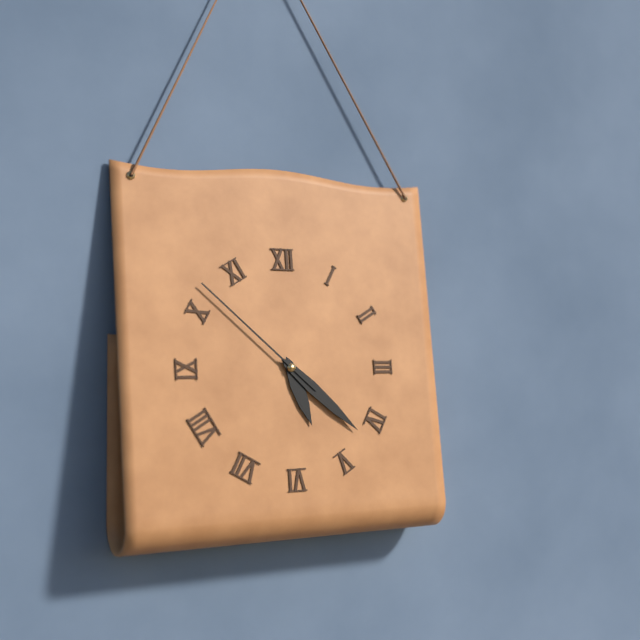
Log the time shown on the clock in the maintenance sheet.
5:22:52
